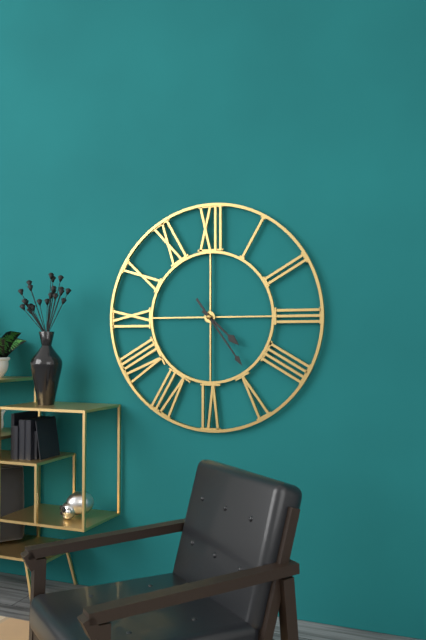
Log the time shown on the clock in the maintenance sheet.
4:24
